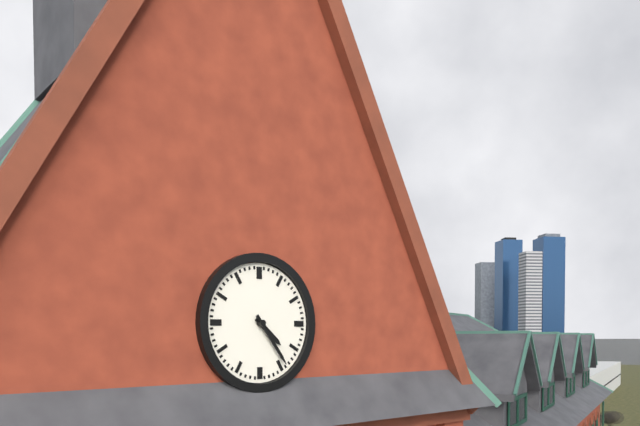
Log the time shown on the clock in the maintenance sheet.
4:24
